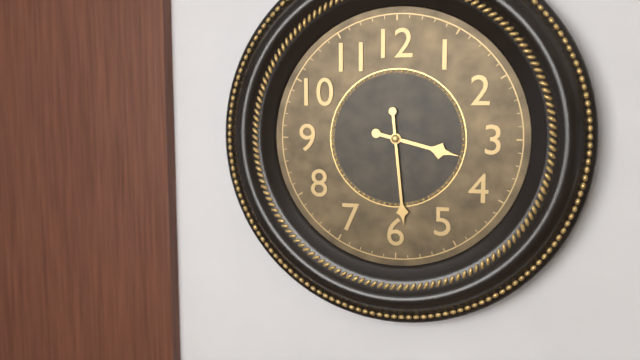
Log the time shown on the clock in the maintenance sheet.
3:29
